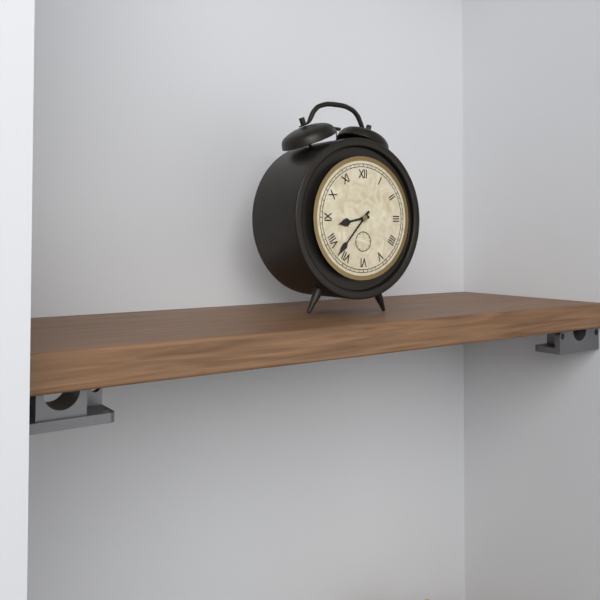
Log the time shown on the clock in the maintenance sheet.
8:37
